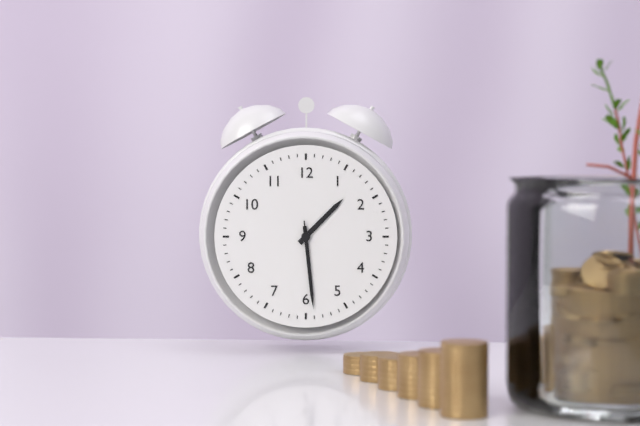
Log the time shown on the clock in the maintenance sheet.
1:29:29
